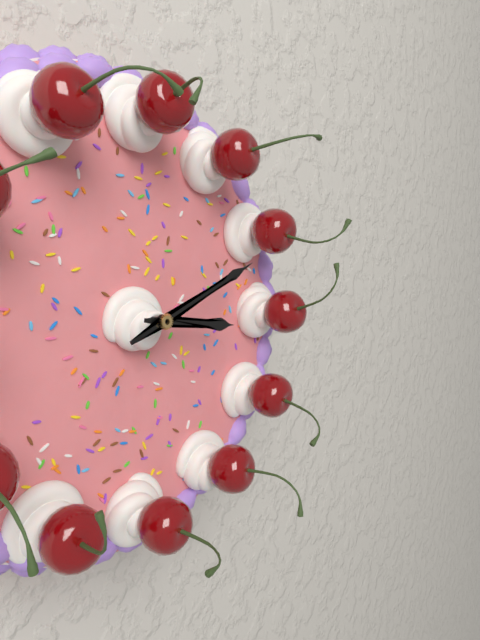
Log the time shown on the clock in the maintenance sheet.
3:11
